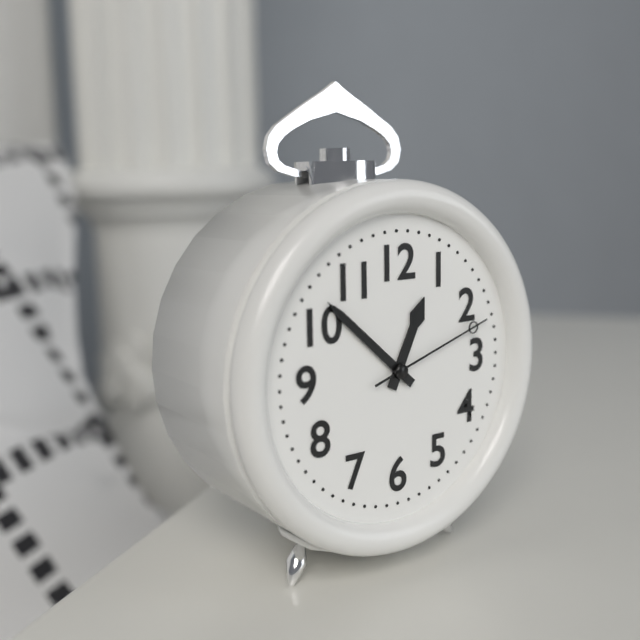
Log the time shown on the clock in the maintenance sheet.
12:52:12
